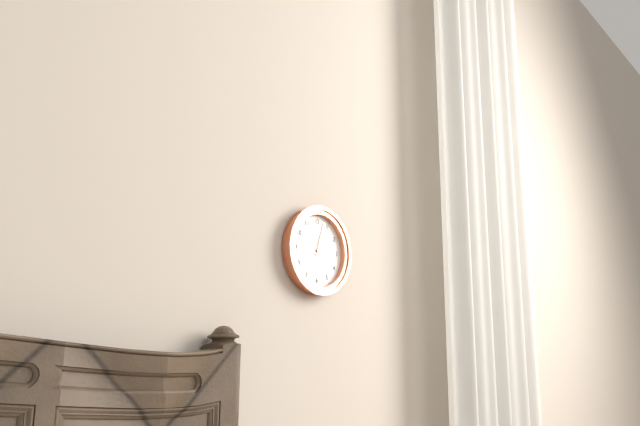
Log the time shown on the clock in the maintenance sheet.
8:03
